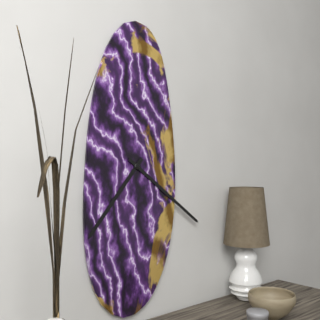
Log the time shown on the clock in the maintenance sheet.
7:21
